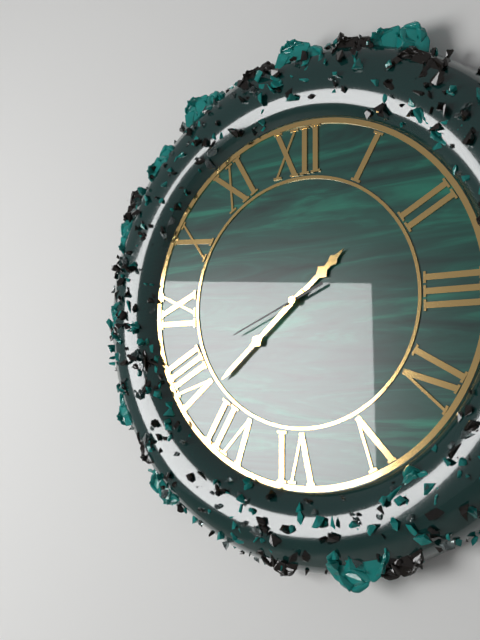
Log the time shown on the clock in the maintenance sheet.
1:38:41
